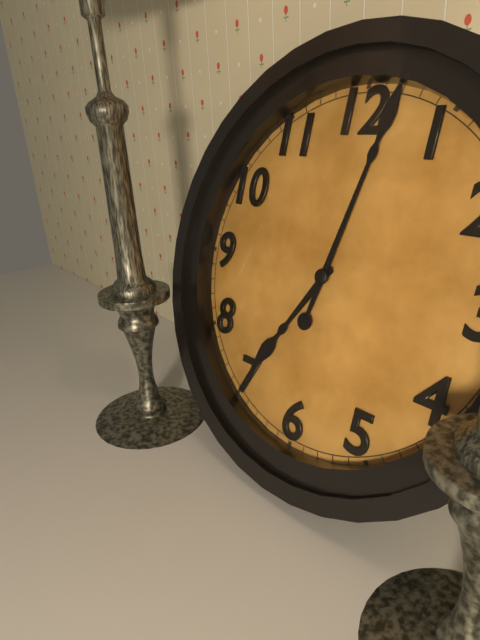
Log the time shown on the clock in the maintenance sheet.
7:02
